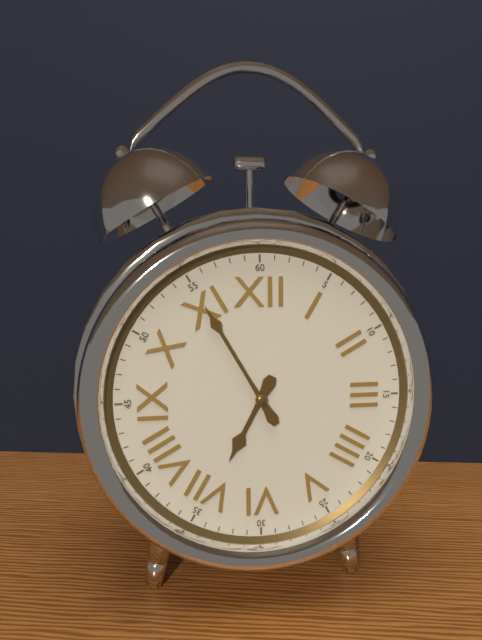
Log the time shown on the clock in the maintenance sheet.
6:55
